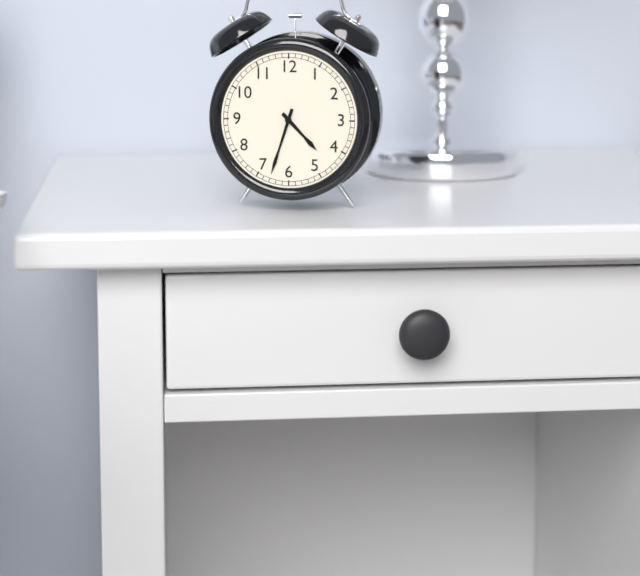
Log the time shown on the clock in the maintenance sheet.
4:33
